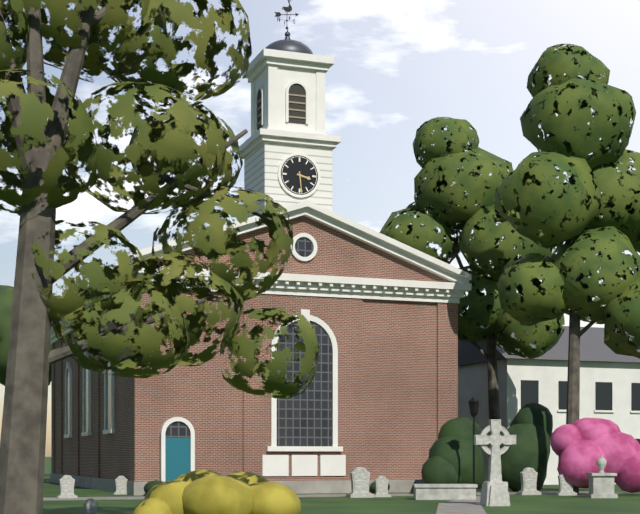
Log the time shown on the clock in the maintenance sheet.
3:29
